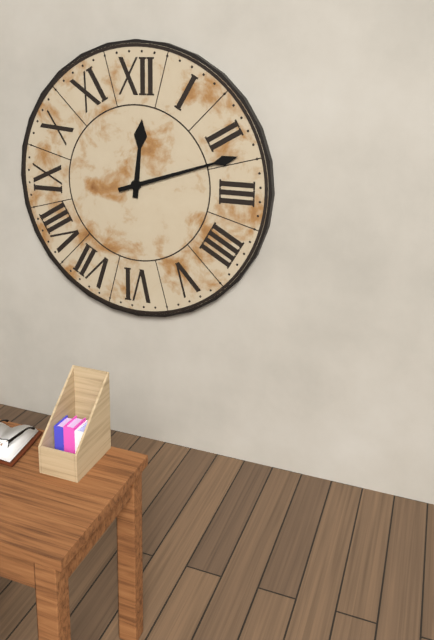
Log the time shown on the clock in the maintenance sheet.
12:12
